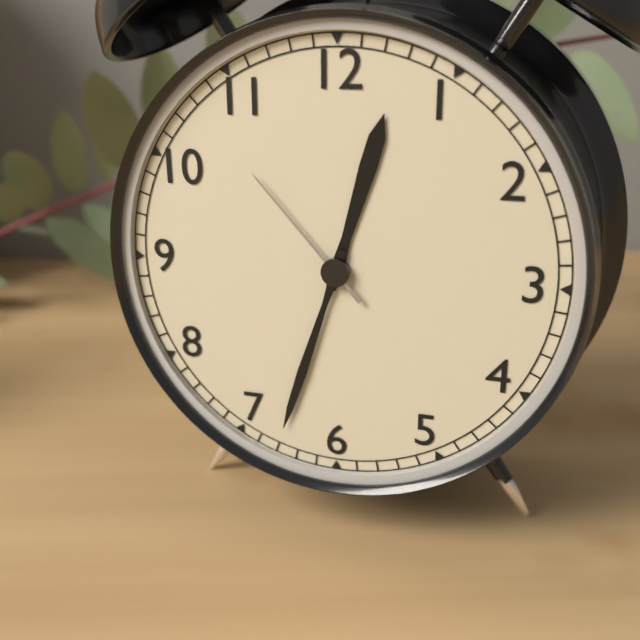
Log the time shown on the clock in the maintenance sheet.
12:33:53
